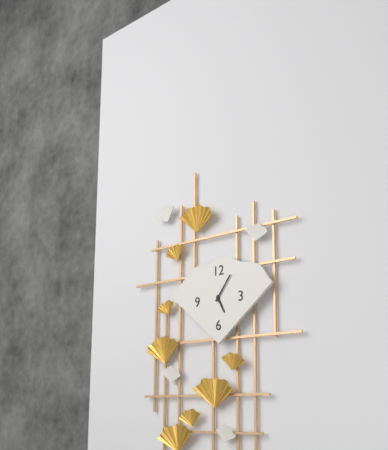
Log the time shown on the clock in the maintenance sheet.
5:06
